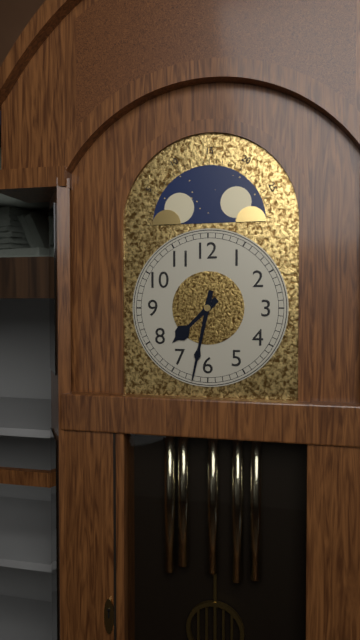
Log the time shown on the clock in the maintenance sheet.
7:32
